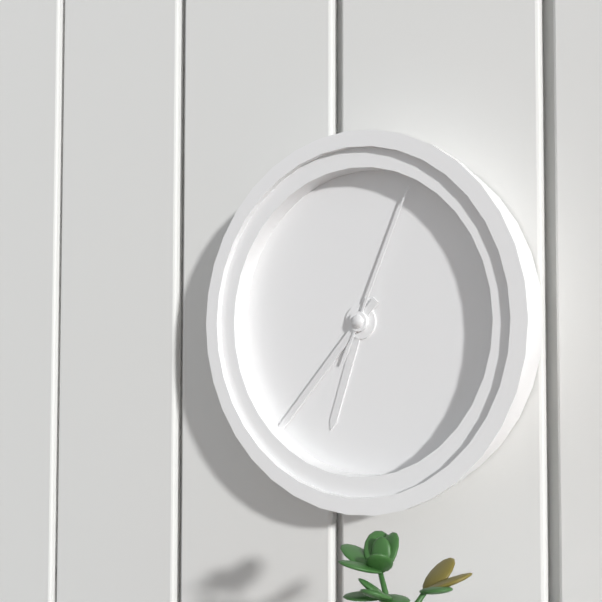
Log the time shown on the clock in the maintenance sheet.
6:37:04
